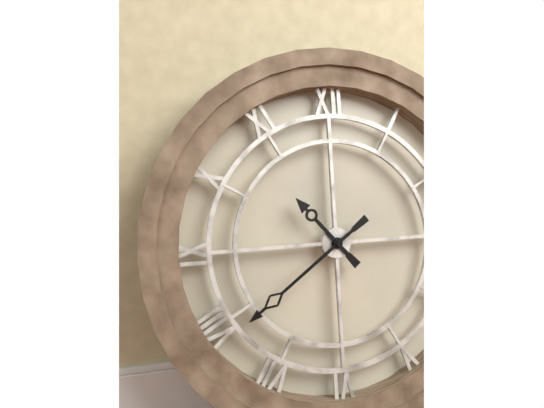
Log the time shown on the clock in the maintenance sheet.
10:39
